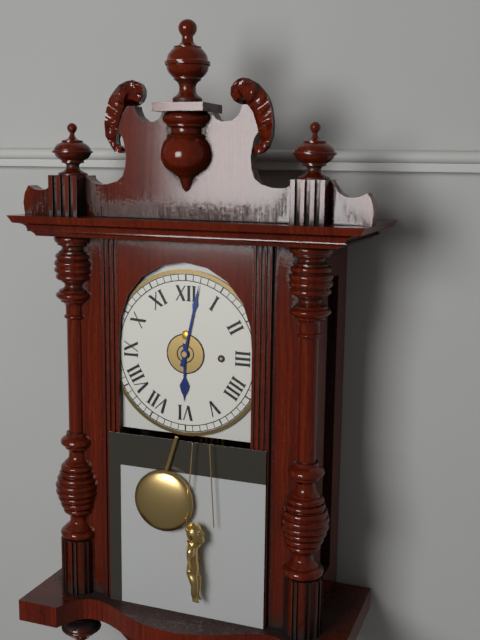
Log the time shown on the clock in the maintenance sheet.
6:02
